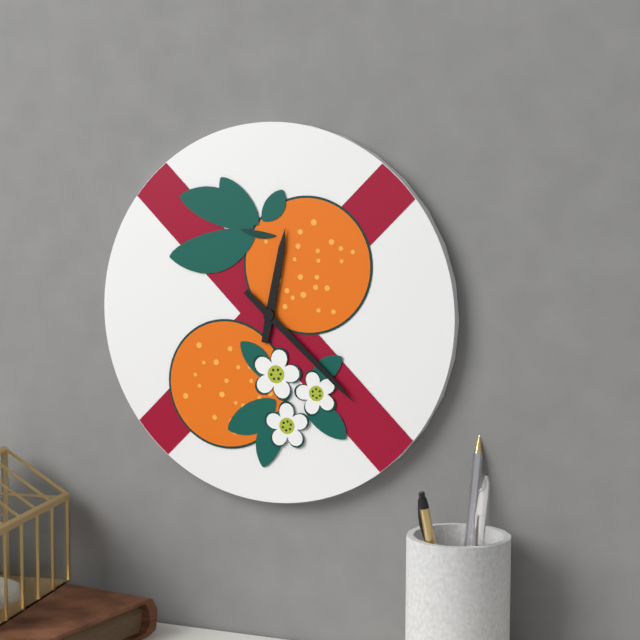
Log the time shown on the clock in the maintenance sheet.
12:22
